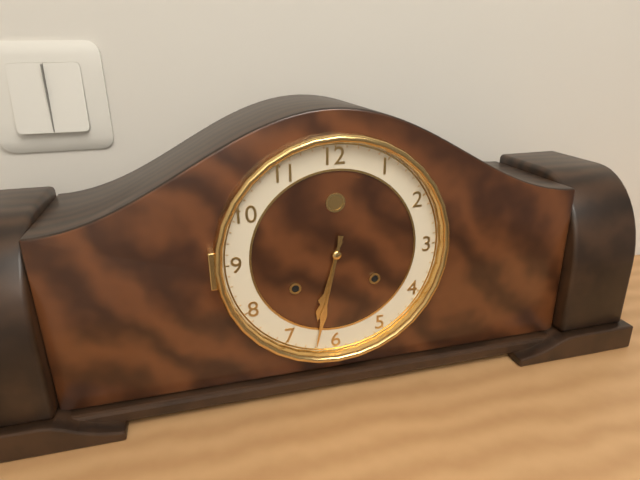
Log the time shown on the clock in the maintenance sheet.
6:32
